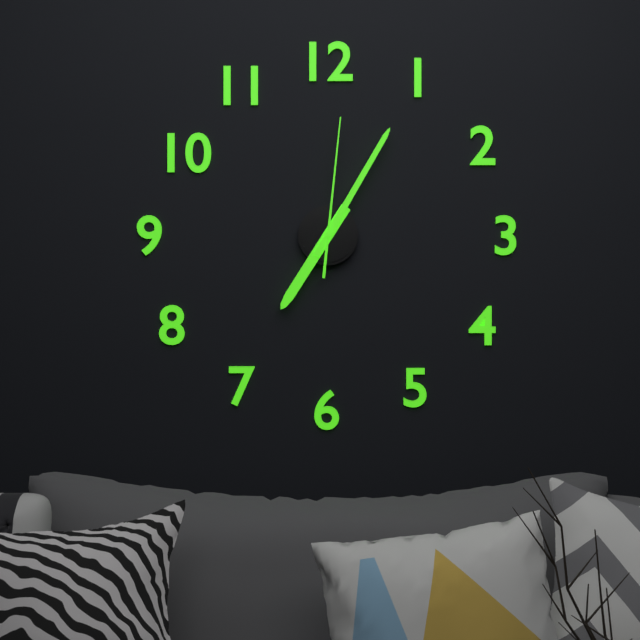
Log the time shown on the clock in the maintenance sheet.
7:05:01
